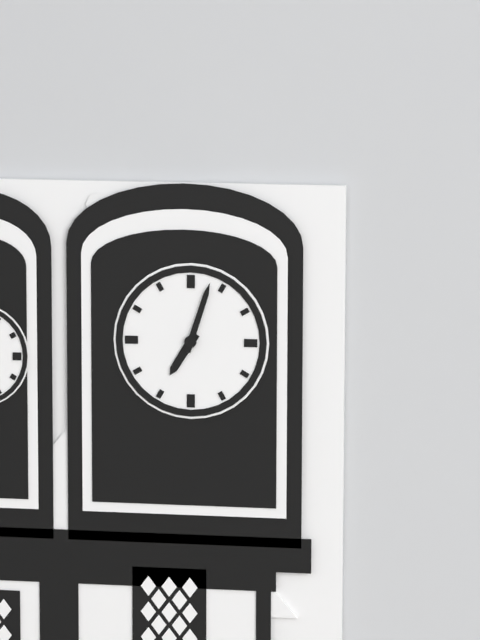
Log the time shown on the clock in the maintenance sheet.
7:03
